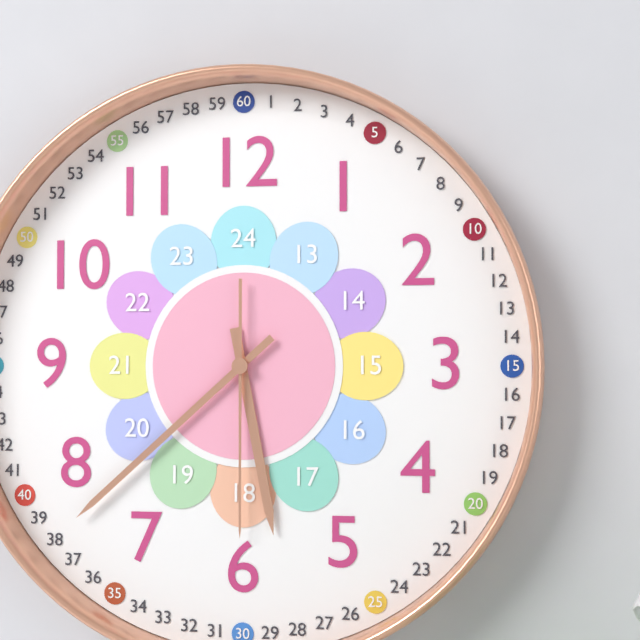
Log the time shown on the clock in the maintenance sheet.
5:38:30
